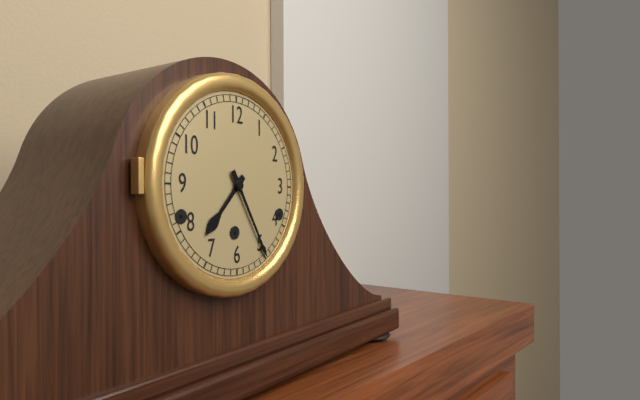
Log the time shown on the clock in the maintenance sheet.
7:25
